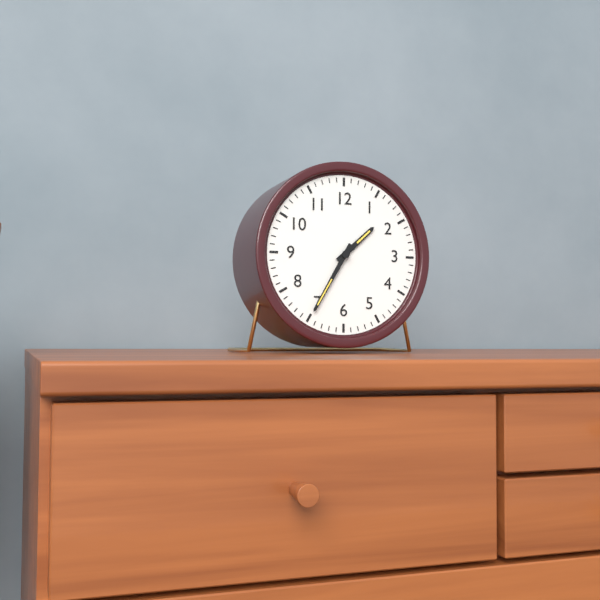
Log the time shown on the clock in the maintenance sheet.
1:35
